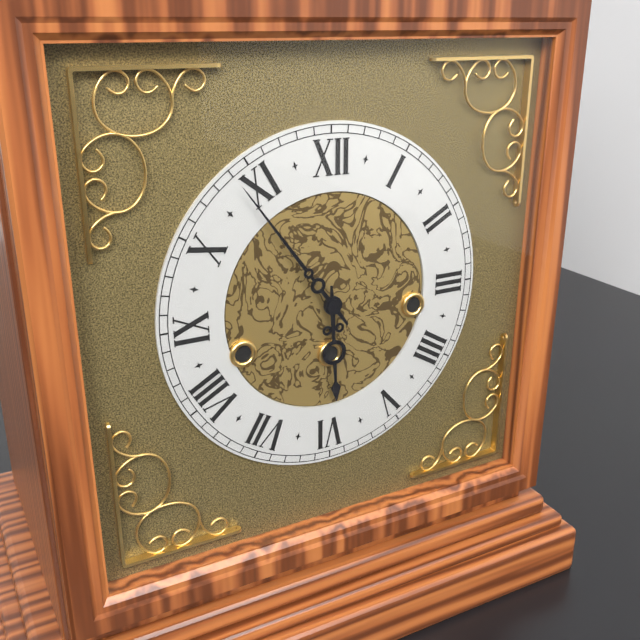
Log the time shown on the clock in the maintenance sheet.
5:54
